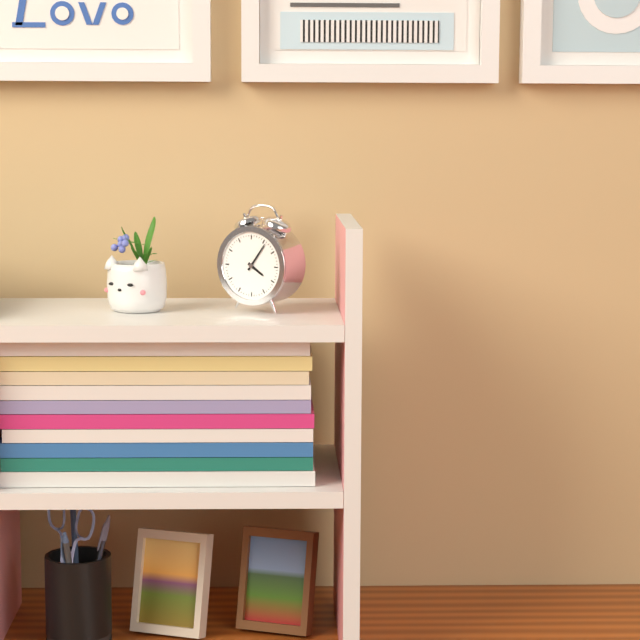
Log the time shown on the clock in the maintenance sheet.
4:06
